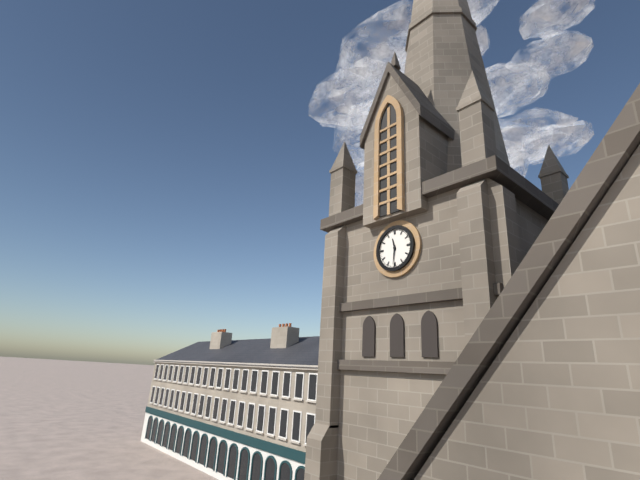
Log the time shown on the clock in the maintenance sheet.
11:31
